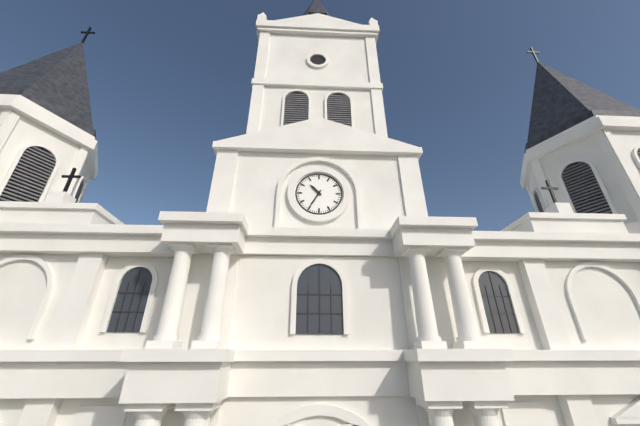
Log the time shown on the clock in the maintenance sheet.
10:35
